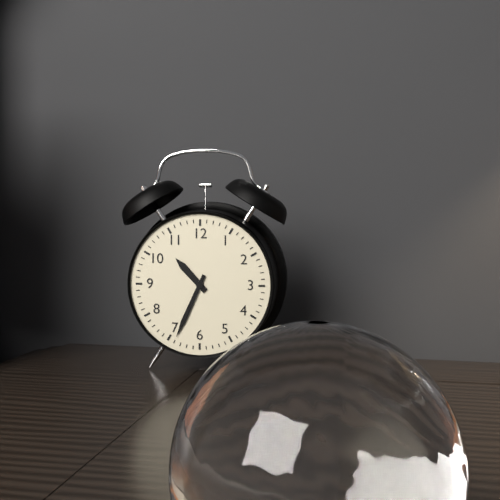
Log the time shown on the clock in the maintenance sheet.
10:34
